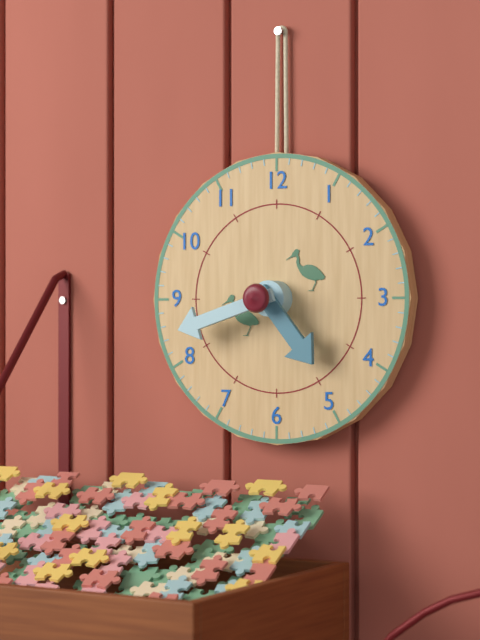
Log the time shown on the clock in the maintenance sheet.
4:42
